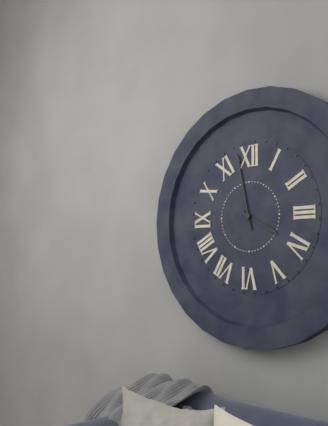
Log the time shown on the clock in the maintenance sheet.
3:58
